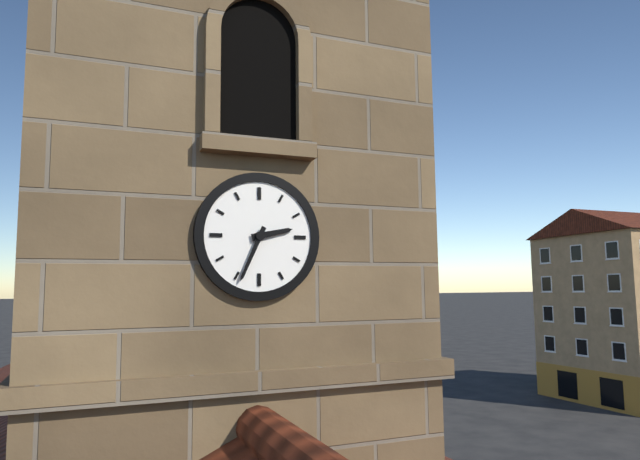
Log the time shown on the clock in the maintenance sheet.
2:34
